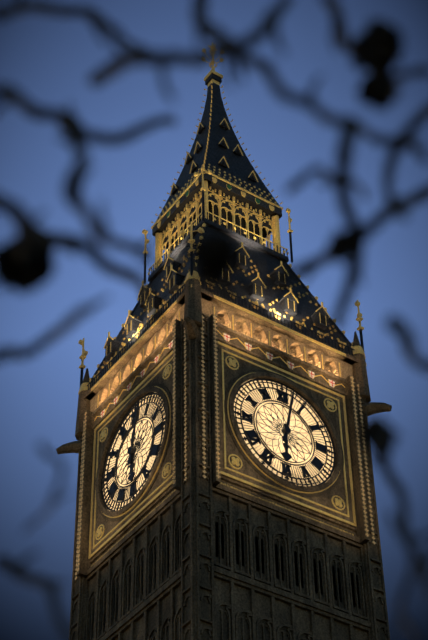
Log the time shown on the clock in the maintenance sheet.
6:02
